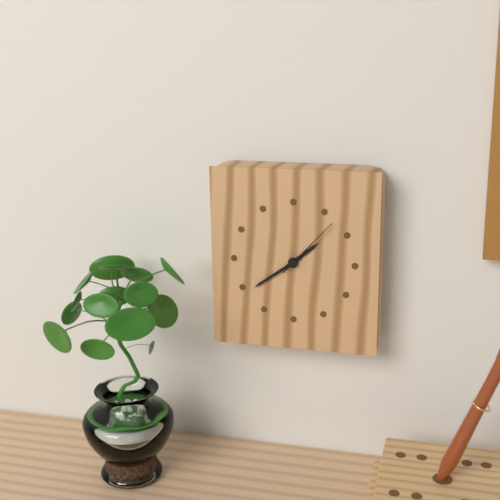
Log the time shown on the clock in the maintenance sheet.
1:39:07
